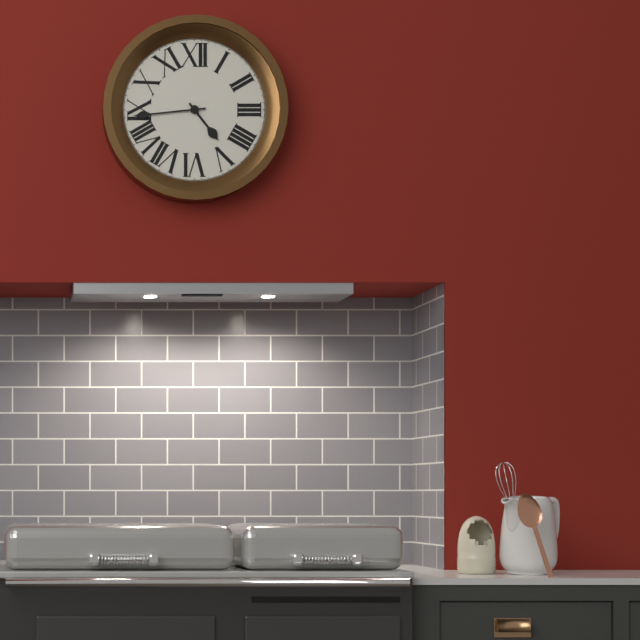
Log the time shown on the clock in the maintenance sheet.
4:44
